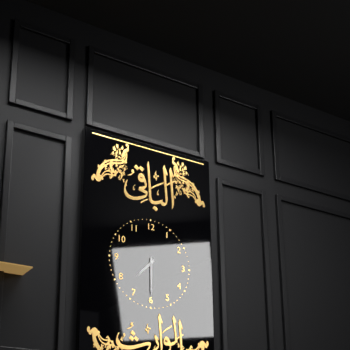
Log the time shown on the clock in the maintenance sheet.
7:30
